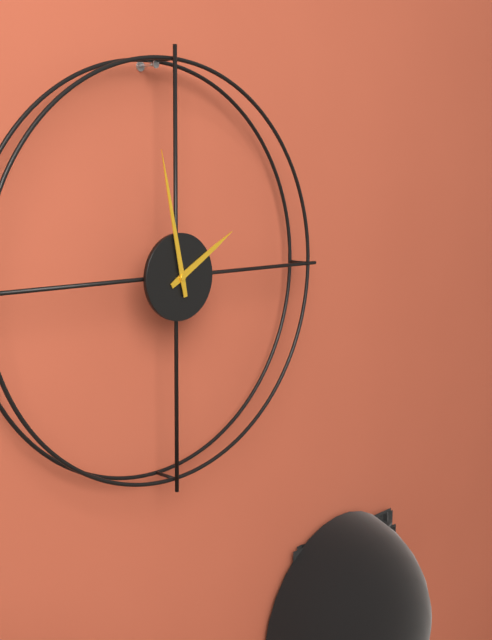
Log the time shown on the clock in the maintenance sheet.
1:58
